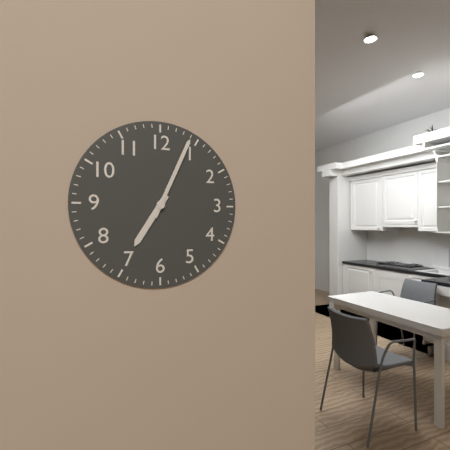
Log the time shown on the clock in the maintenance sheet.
7:04
